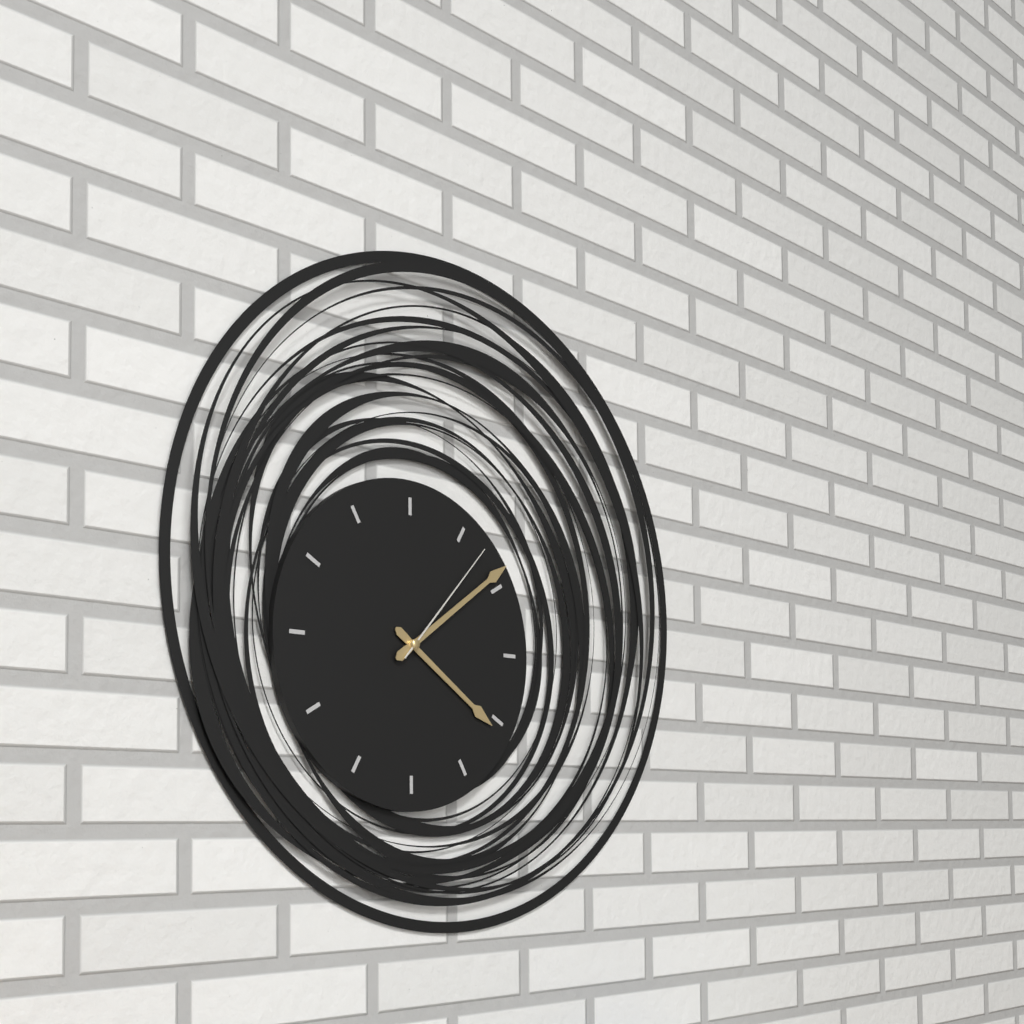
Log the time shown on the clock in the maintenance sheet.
4:09:07
